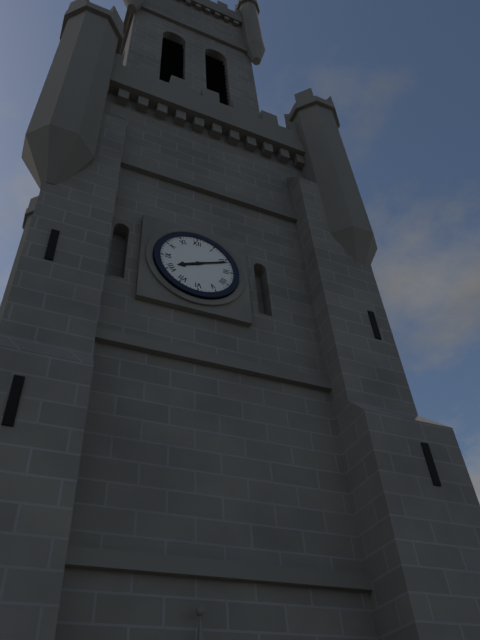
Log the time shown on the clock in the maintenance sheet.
8:11
